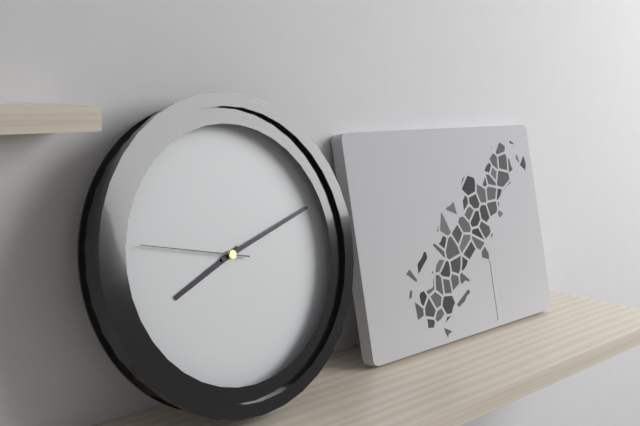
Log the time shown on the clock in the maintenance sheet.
8:12:47
